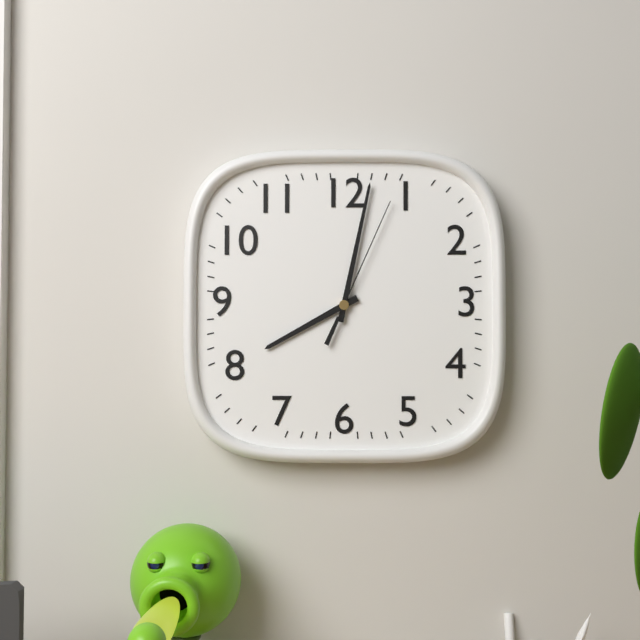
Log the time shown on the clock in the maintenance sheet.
8:02:04
